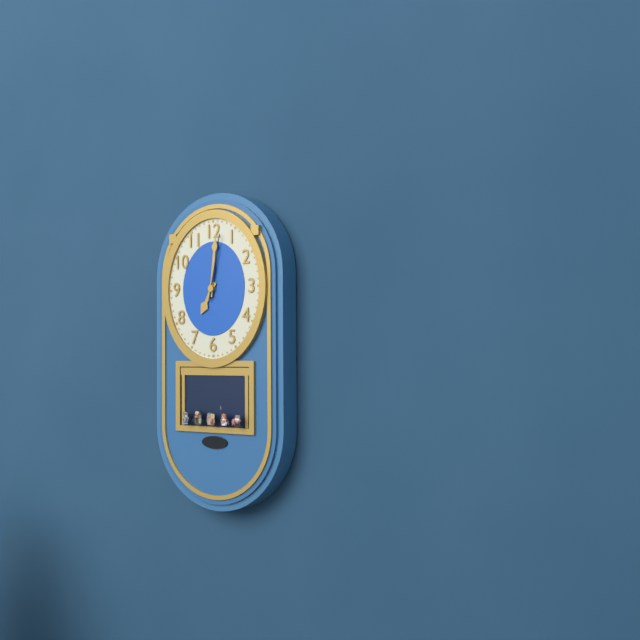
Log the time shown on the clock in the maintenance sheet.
7:01:02
